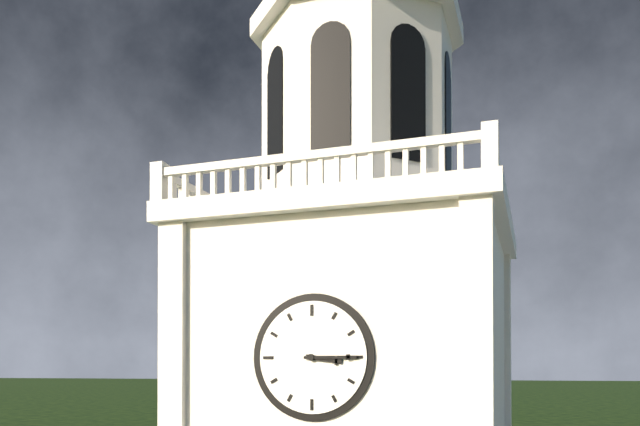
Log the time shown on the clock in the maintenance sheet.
3:15
